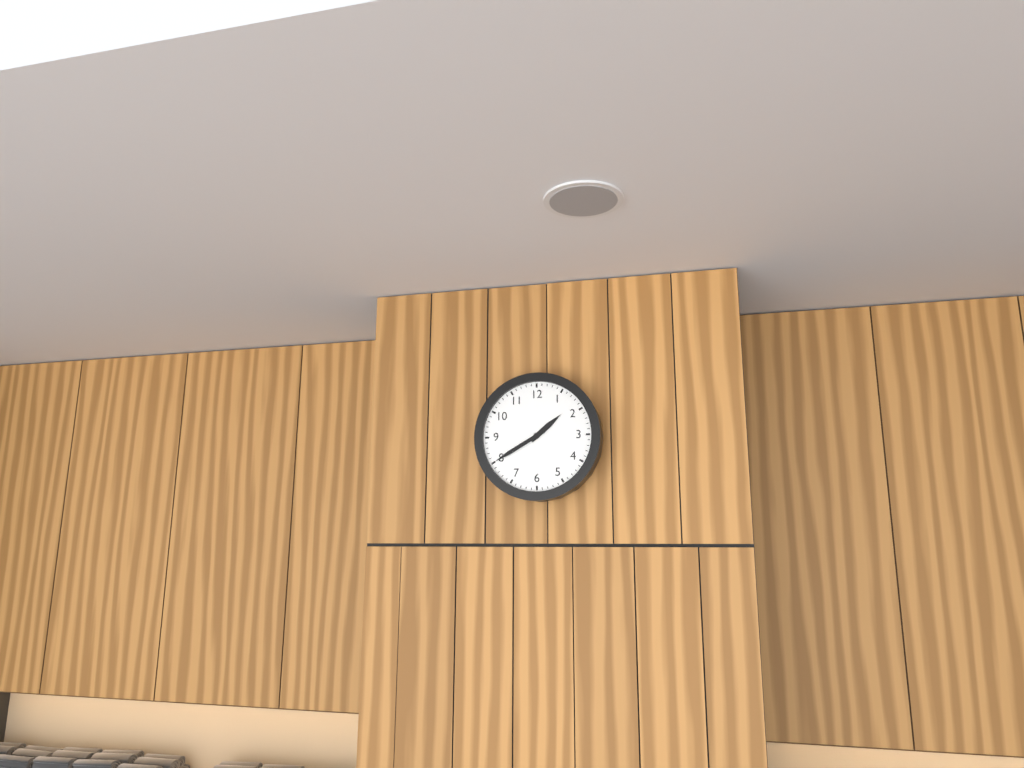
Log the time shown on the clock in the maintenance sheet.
1:40
